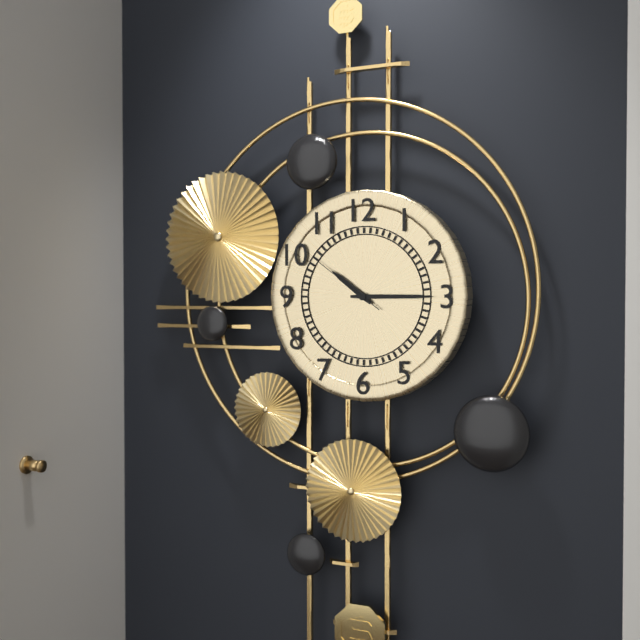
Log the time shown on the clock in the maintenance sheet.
10:15:51
